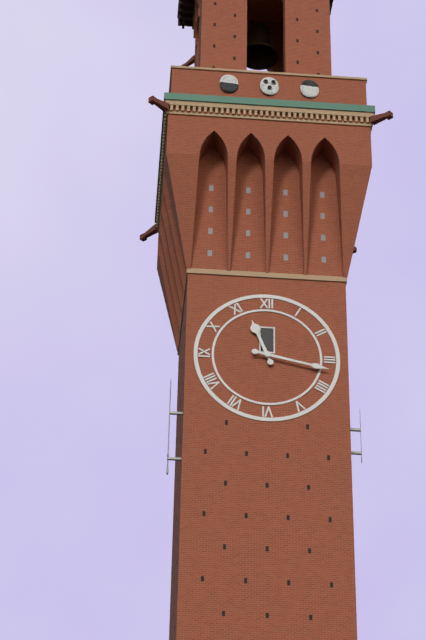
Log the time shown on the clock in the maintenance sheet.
11:17
